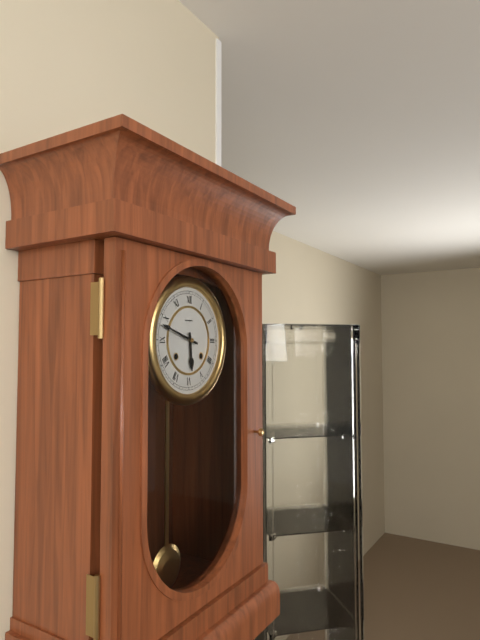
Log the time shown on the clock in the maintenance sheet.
5:48
